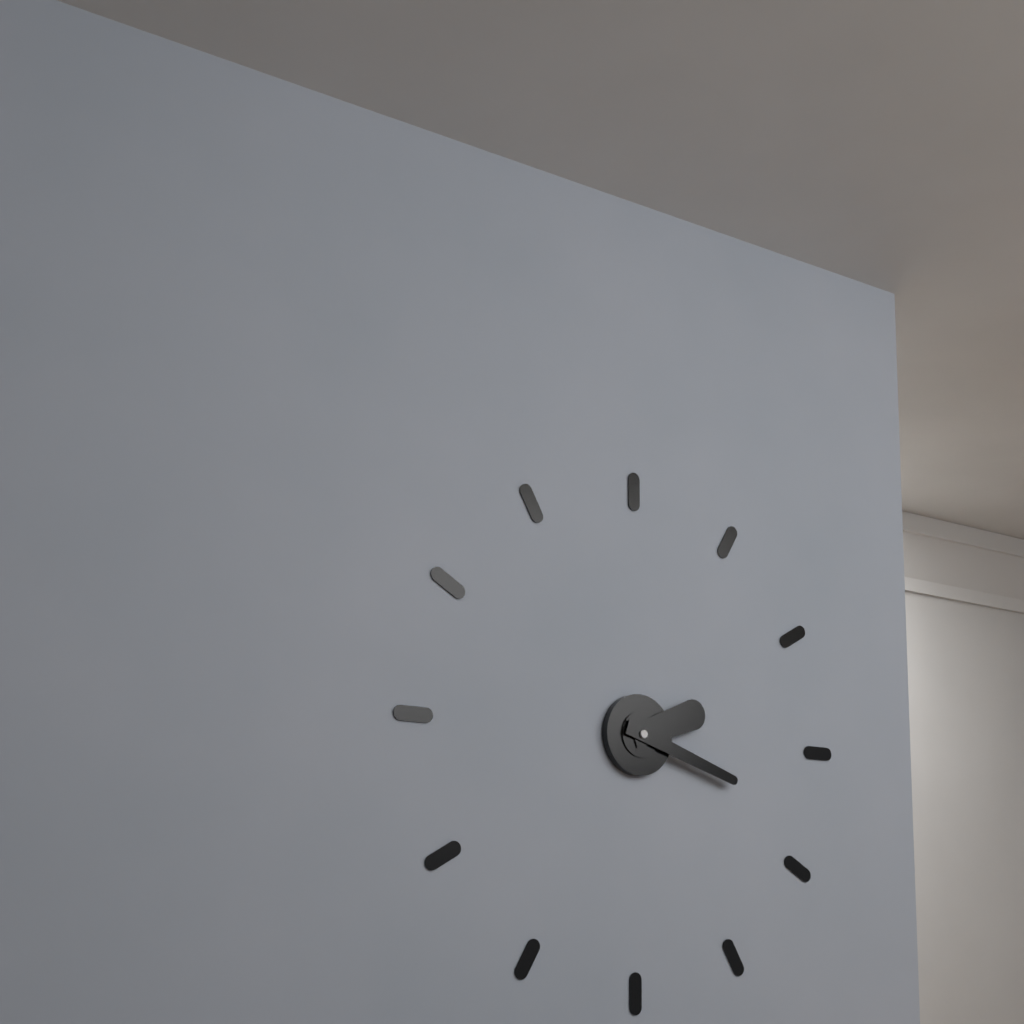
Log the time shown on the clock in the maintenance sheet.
2:18
